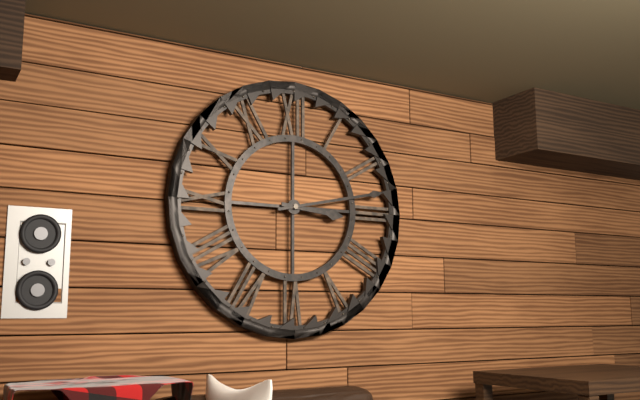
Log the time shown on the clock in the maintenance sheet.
3:13
